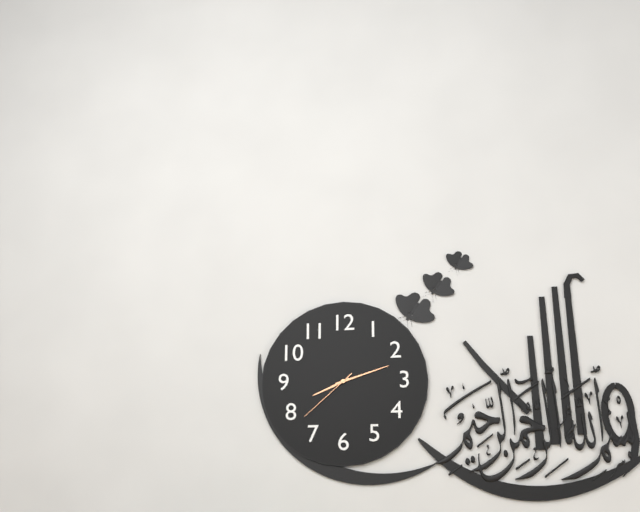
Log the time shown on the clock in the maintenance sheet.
8:12:38
